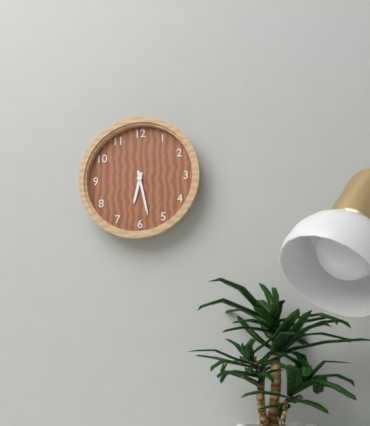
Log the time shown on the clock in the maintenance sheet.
6:28
